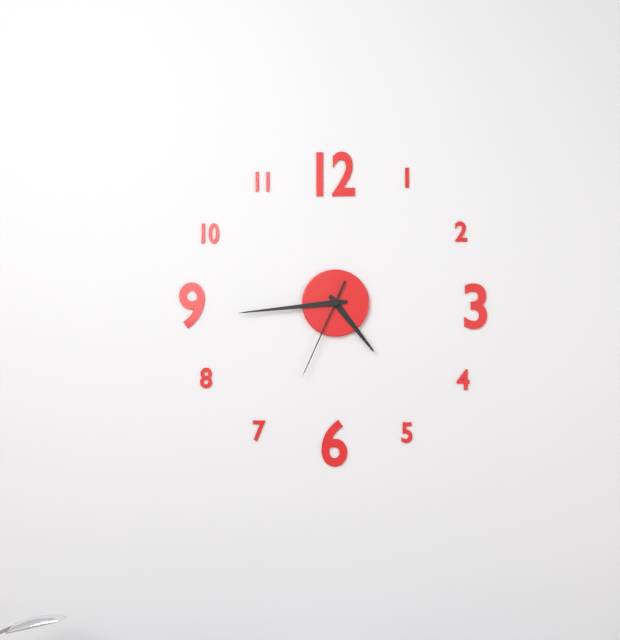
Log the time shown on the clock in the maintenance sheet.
4:44:34
